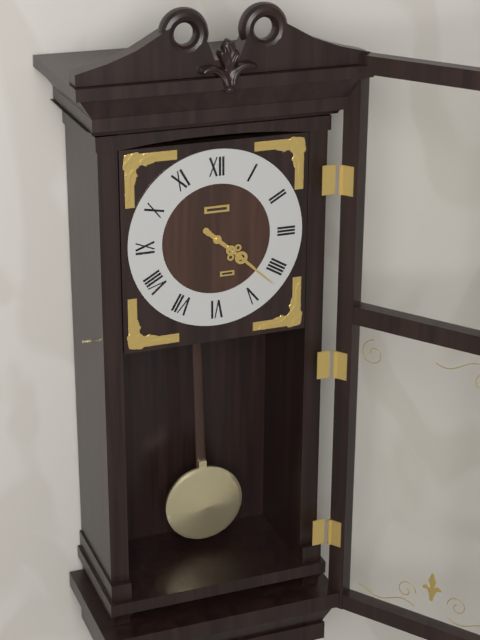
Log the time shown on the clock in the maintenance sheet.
4:22
